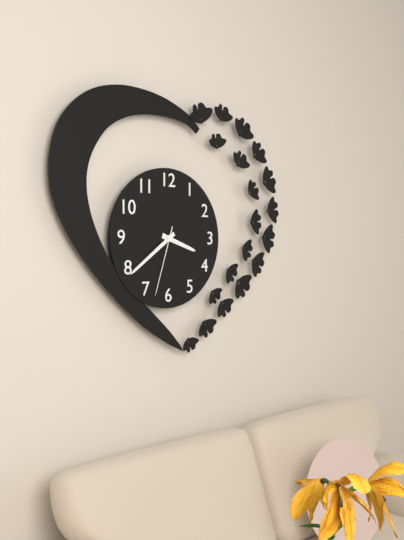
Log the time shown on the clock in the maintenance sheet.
3:39:33
